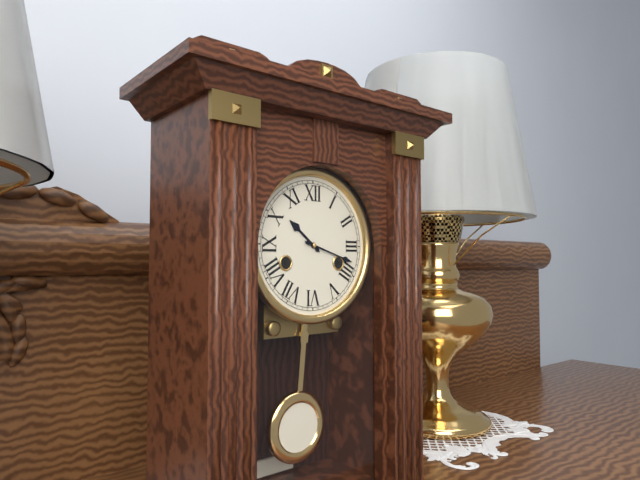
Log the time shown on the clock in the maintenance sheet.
10:18
